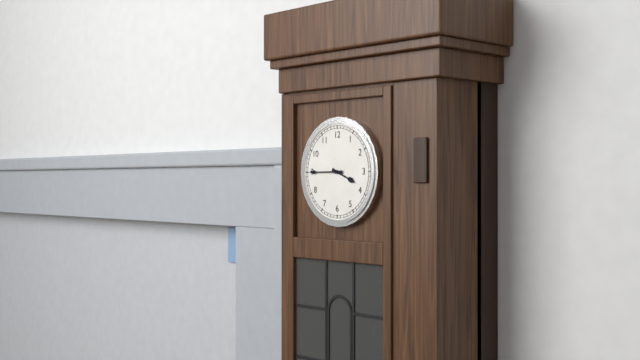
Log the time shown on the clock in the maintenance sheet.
3:45
